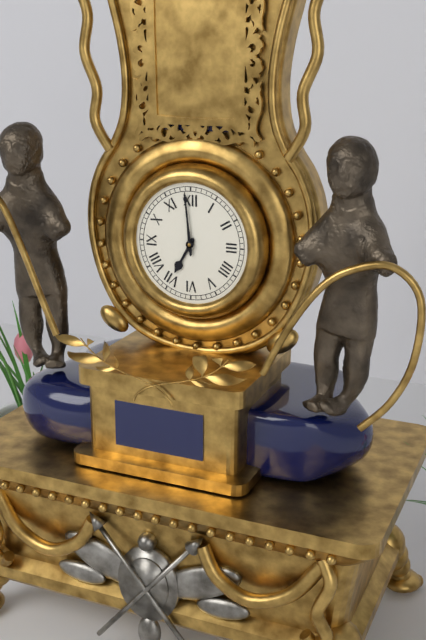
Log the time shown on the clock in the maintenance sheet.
6:59
